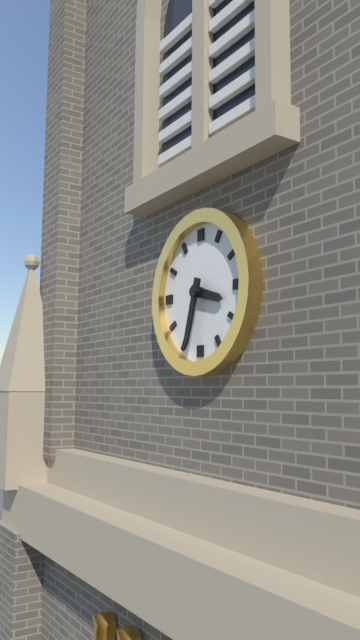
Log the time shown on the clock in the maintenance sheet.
3:33
